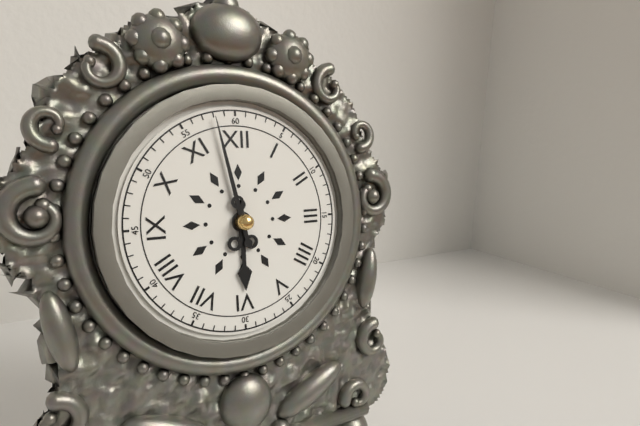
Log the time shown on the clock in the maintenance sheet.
5:58
